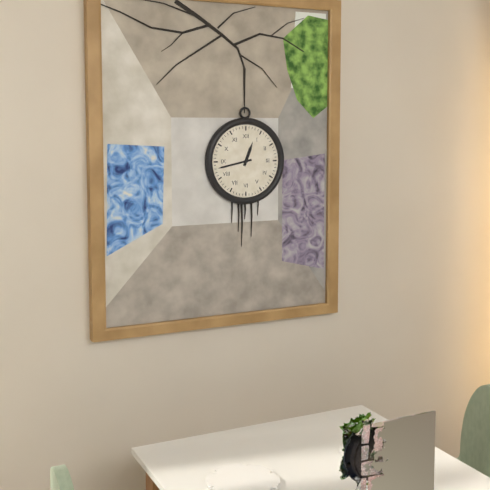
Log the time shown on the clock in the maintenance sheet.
12:43
